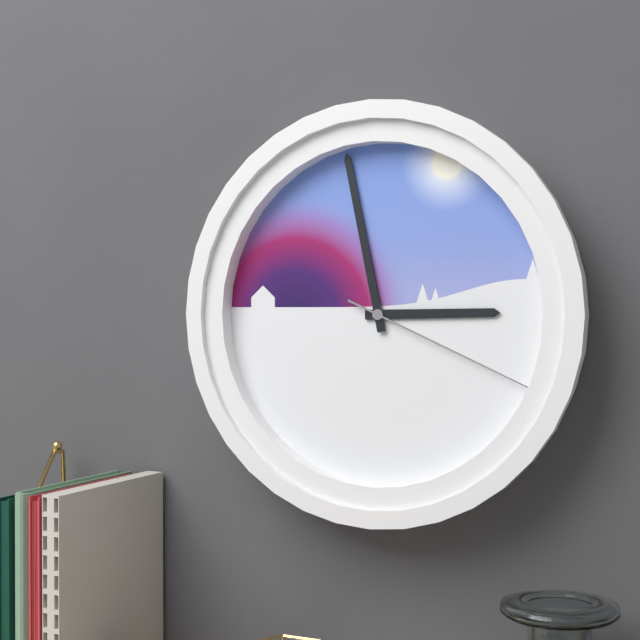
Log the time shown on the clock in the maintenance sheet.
2:58:19
